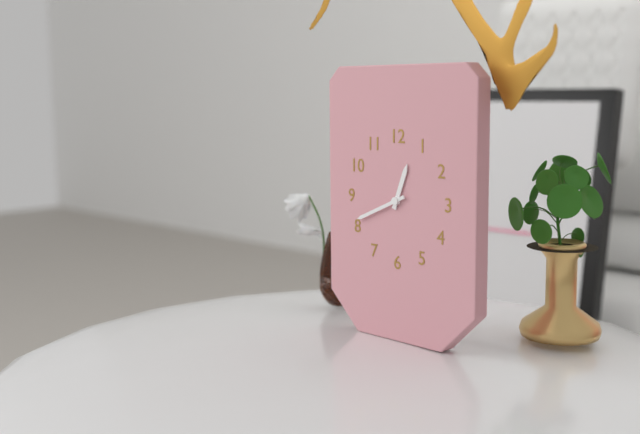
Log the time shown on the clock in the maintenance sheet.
12:41
